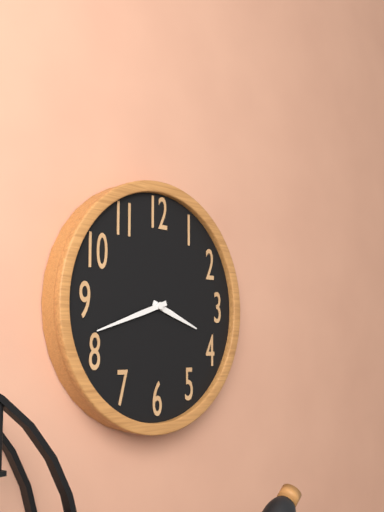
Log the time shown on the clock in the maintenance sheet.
3:42
